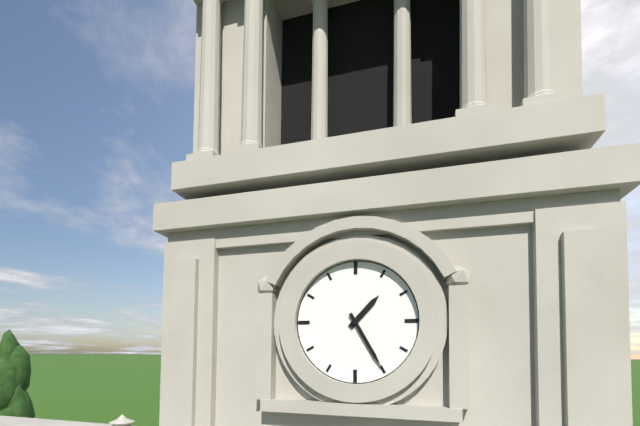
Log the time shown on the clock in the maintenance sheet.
1:25
